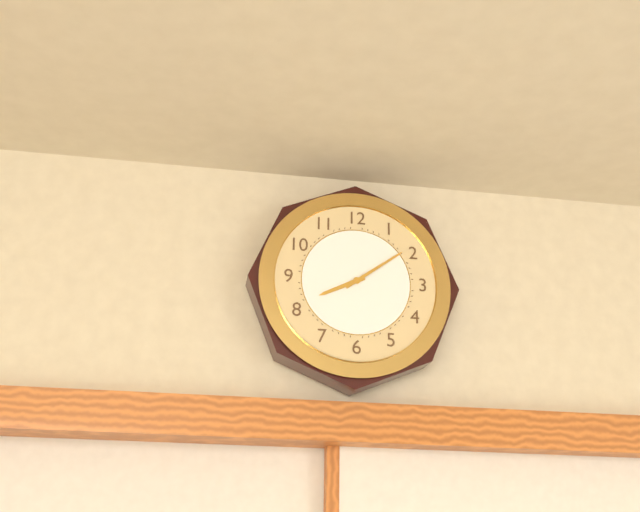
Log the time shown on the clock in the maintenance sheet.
8:09
